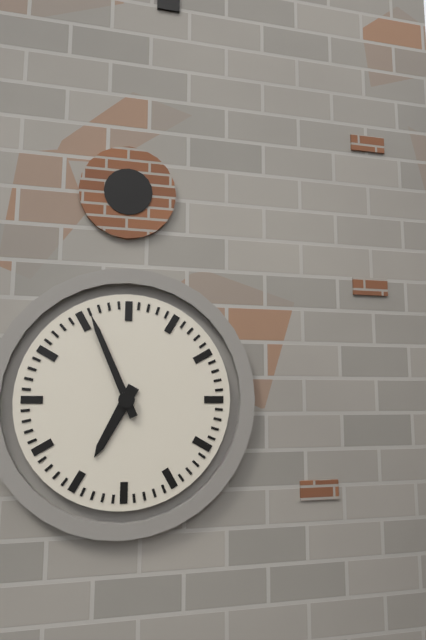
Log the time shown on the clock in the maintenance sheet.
6:56
